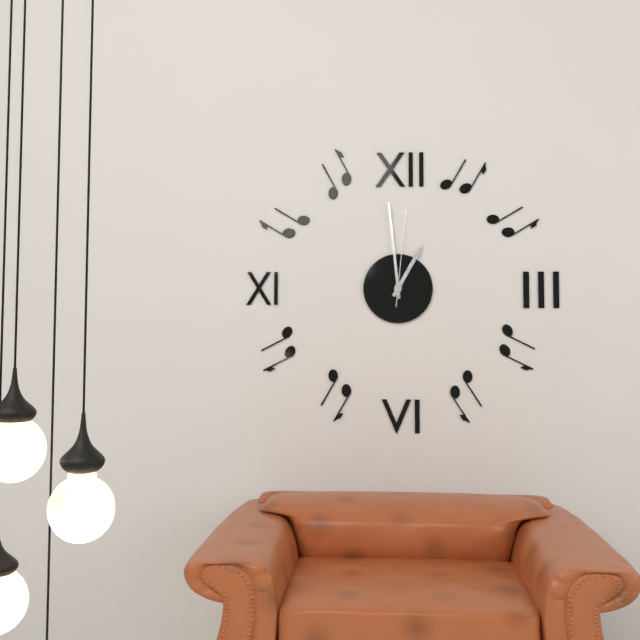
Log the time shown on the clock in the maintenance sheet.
12:59:01
